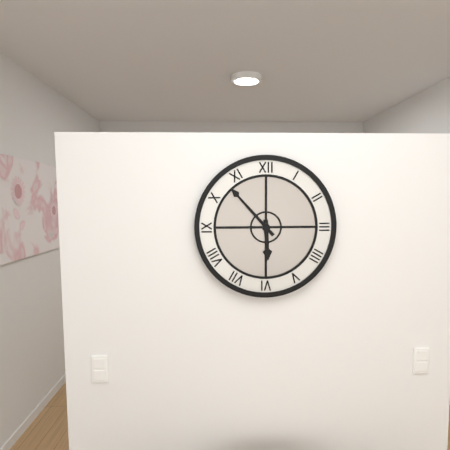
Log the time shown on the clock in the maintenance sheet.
5:53
